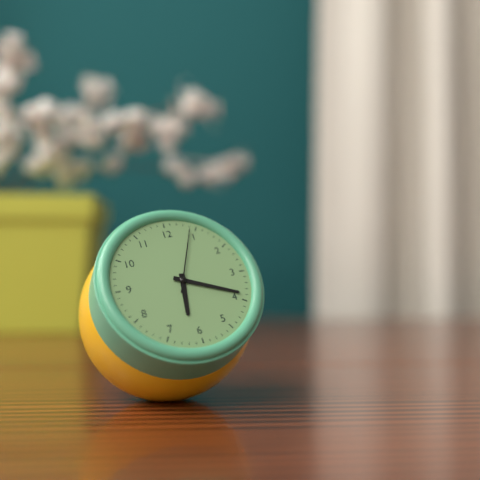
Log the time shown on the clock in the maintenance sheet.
6:19:04
